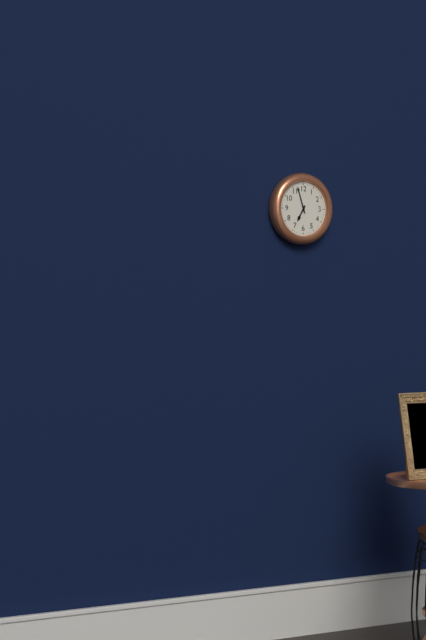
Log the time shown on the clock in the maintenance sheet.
6:57
